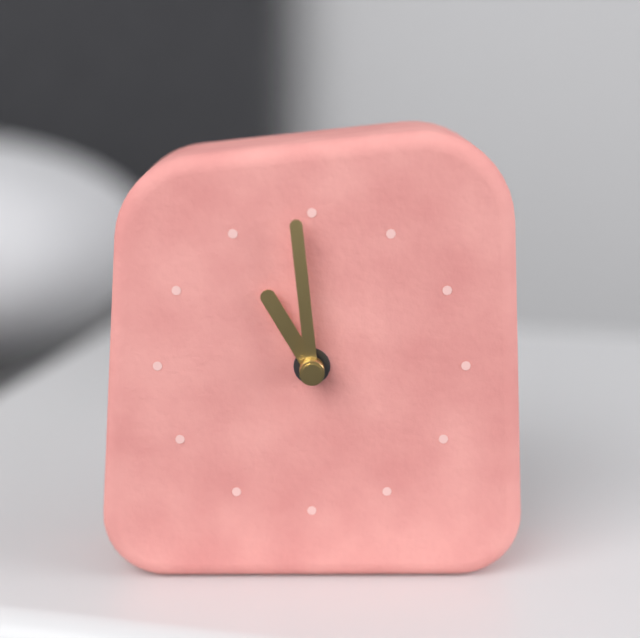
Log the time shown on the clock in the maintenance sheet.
10:59
